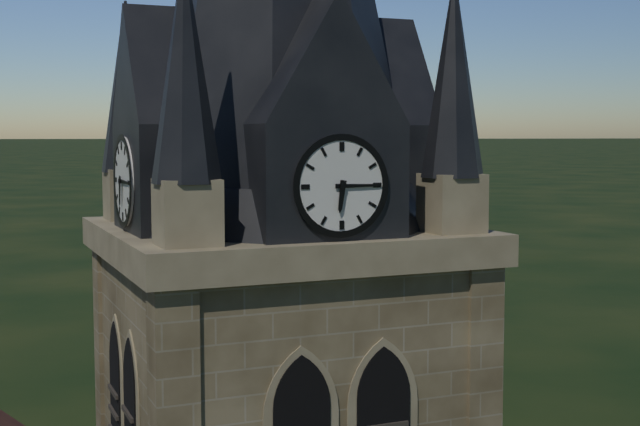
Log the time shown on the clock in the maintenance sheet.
6:15
